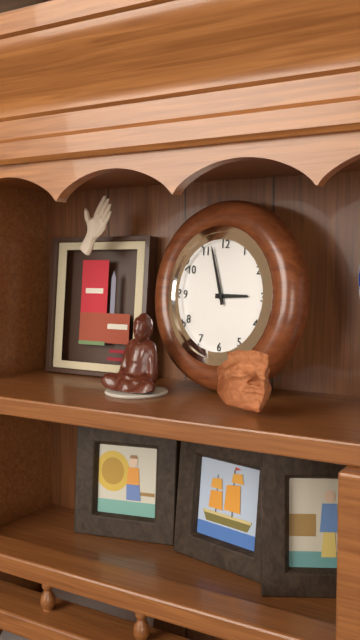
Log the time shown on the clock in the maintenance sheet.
2:57
